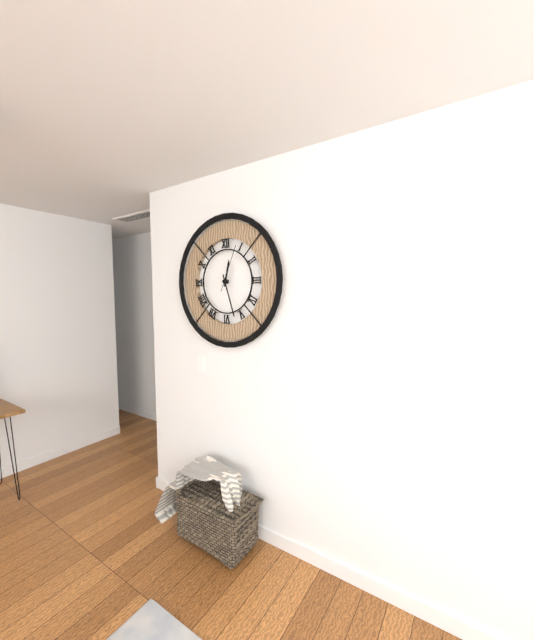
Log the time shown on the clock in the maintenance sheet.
12:27
